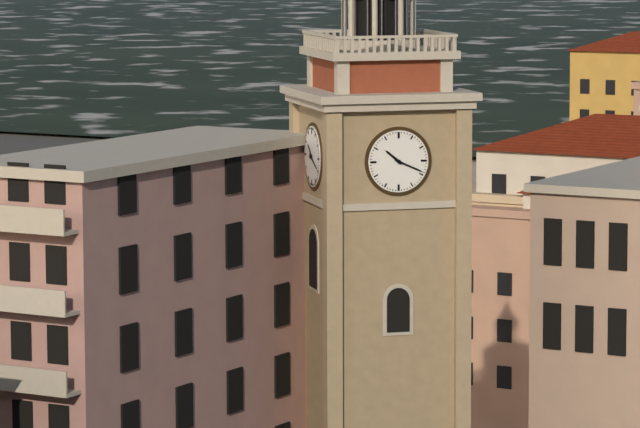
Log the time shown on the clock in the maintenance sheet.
10:19
